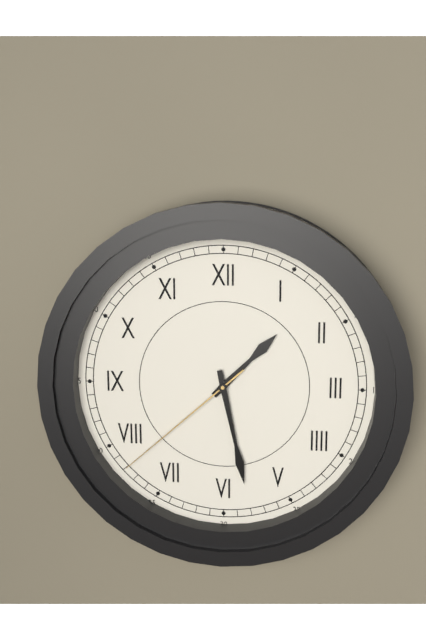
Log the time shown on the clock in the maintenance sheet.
1:28:38
